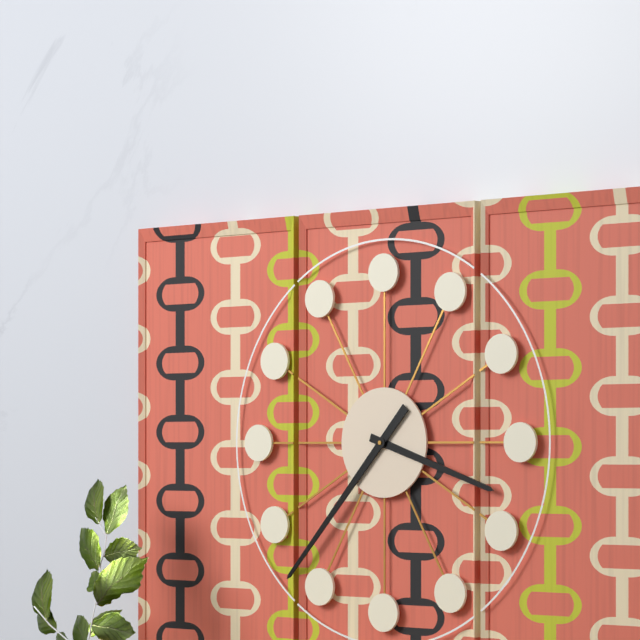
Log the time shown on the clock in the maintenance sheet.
3:37
